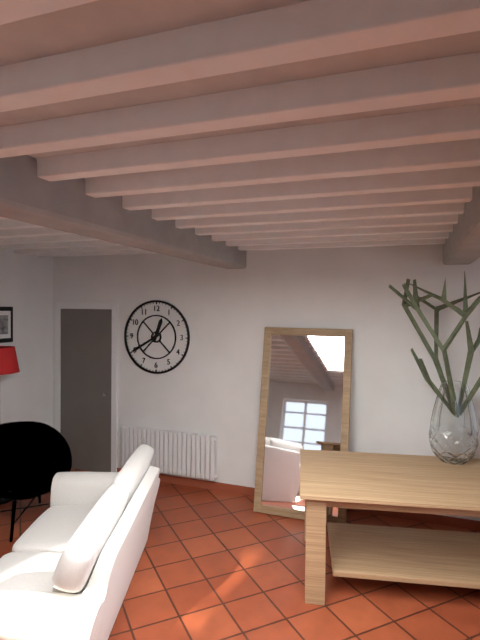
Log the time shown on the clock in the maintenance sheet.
12:40
